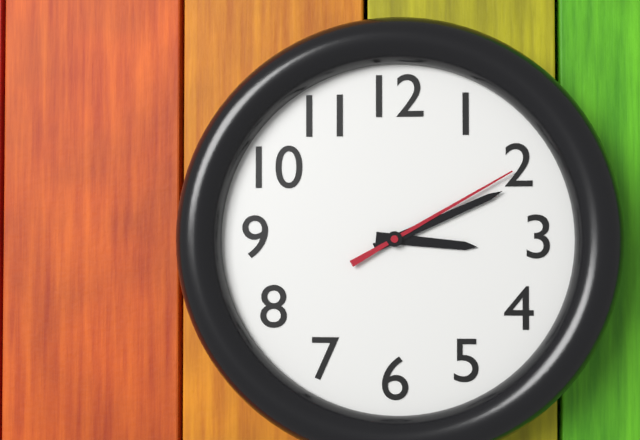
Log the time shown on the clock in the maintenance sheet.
3:11:10
